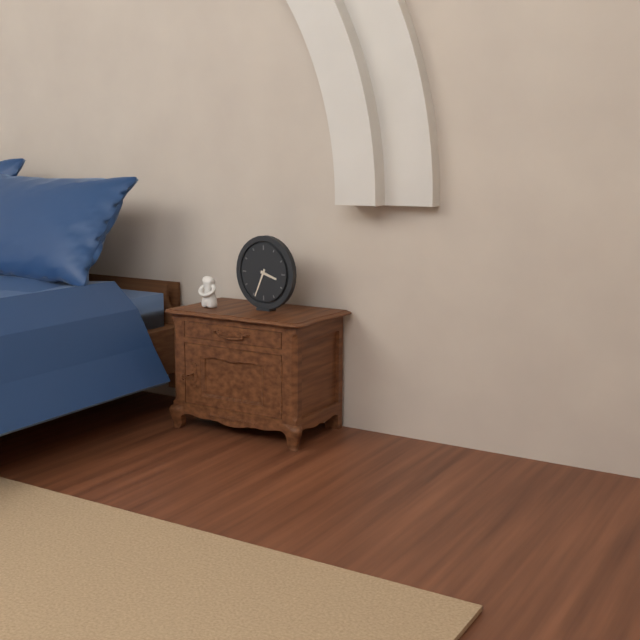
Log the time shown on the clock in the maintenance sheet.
3:34
